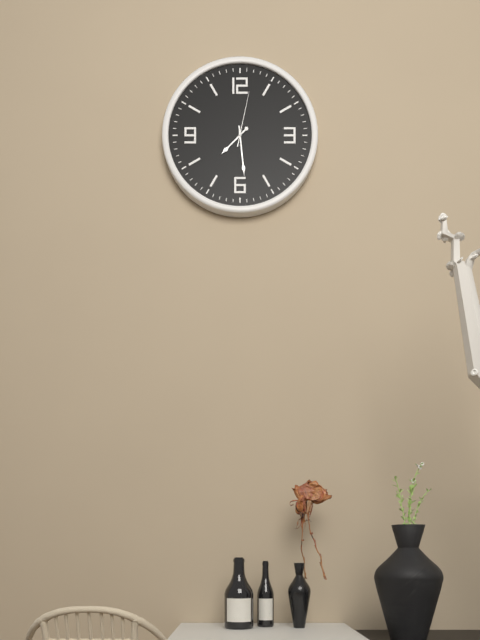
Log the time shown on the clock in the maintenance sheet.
7:29:02
